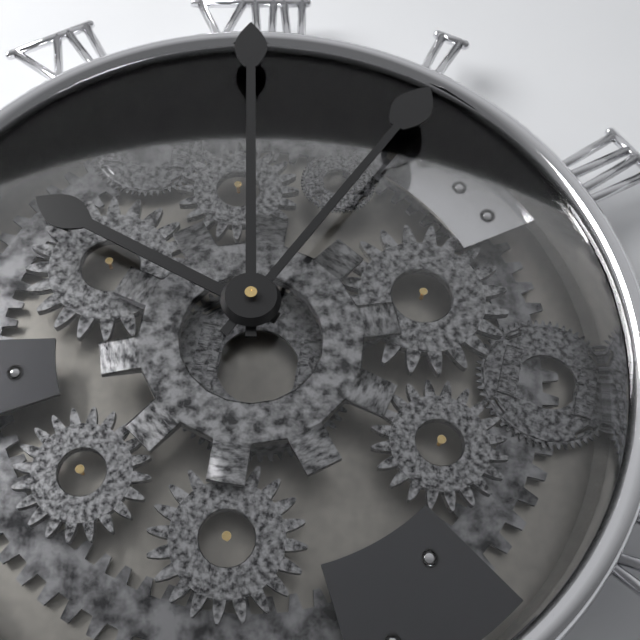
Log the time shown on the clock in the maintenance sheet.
10:00:06
